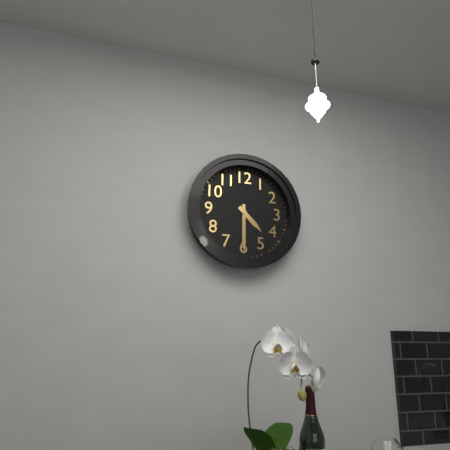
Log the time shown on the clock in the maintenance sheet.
4:30
